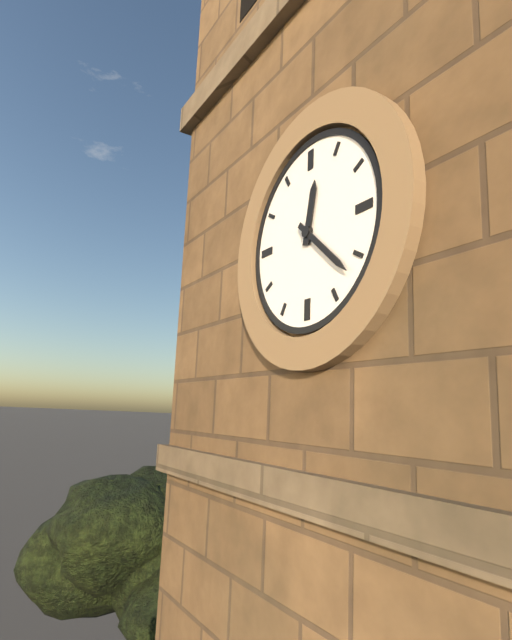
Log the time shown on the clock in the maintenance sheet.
12:22
